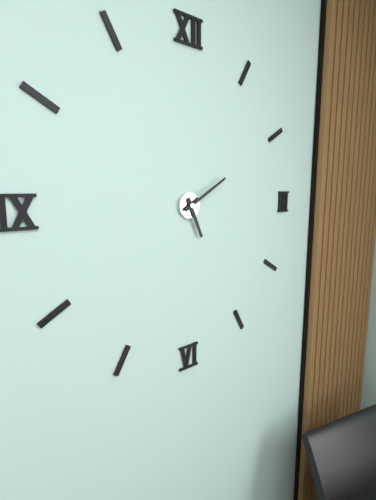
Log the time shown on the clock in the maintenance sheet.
5:10
